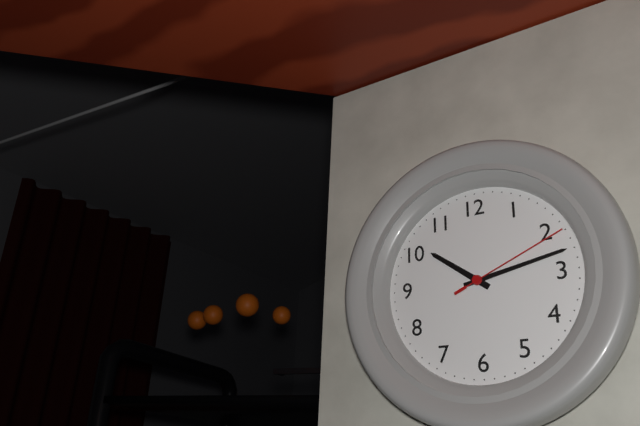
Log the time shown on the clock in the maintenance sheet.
10:13:11
